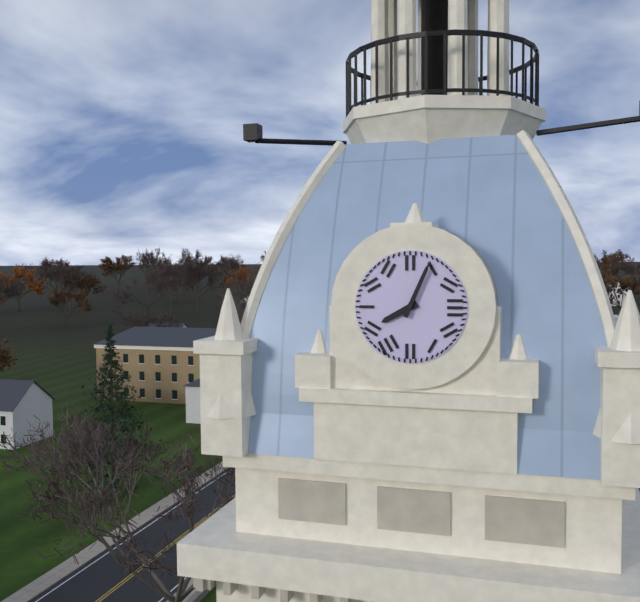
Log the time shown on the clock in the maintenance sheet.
8:04
